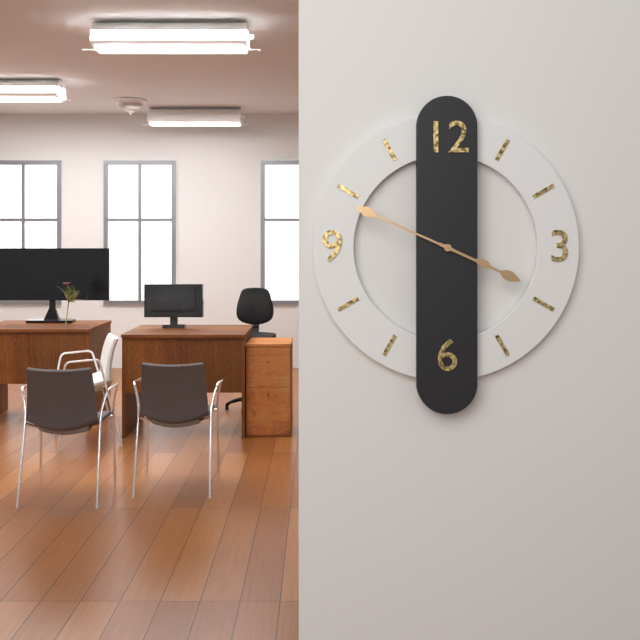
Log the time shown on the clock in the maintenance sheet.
3:49
